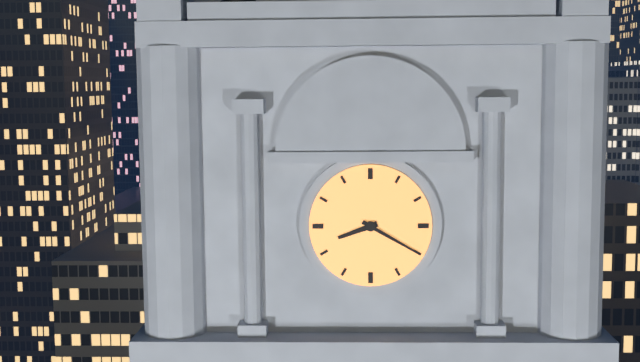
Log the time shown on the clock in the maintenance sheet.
8:20
